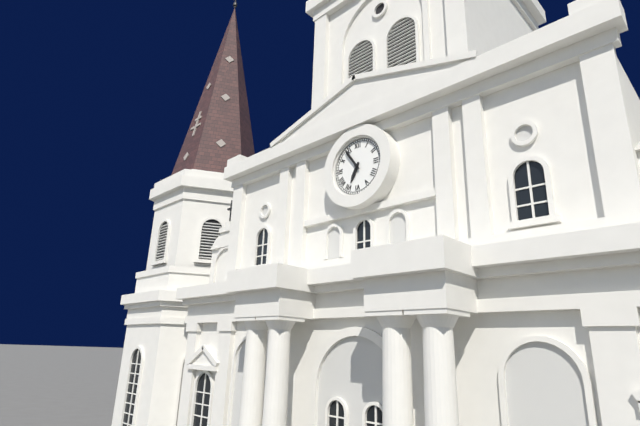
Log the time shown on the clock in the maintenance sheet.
6:54
